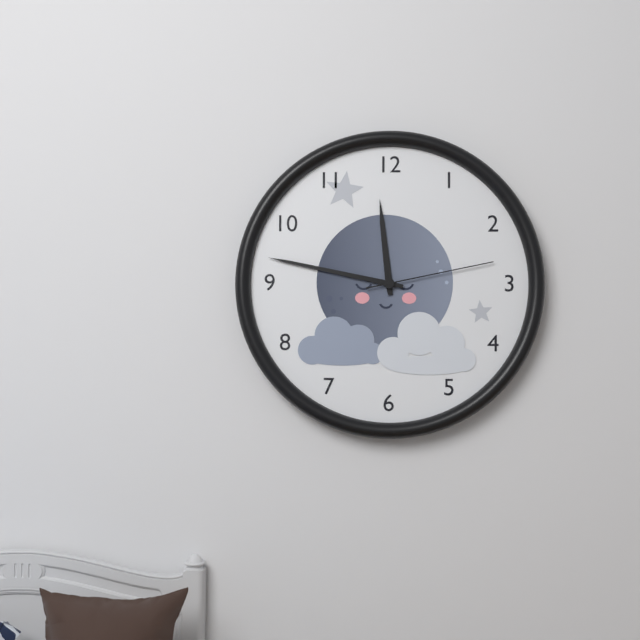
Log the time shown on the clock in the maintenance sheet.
11:47:13
